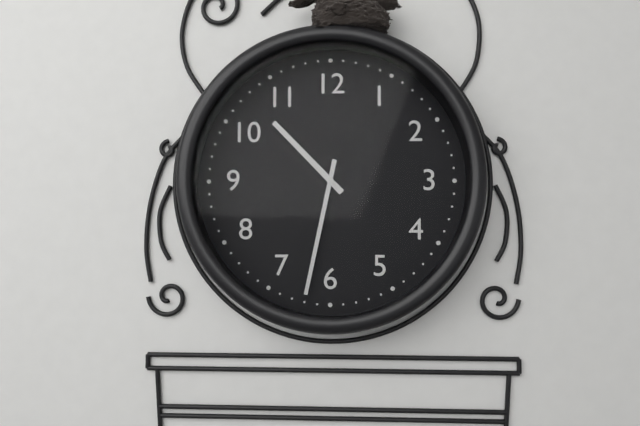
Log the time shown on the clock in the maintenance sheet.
10:32
